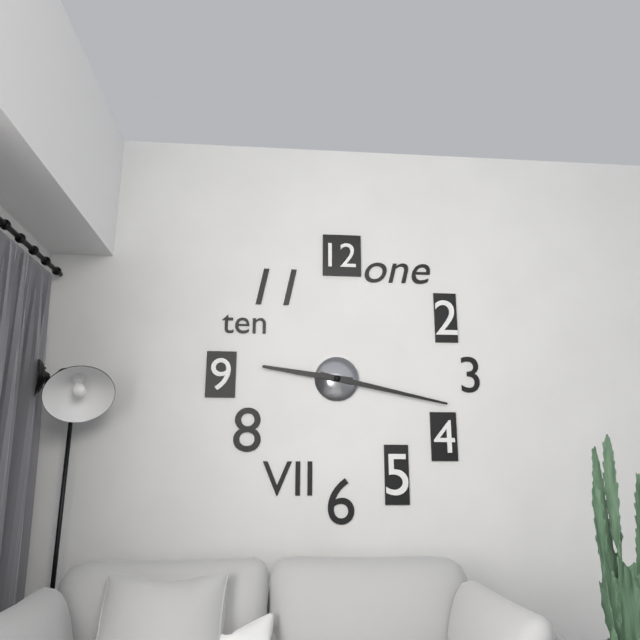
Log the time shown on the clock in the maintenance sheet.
9:17
